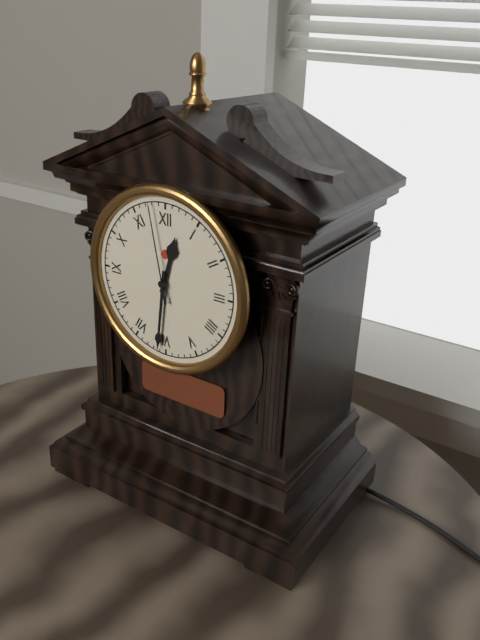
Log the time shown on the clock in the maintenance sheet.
12:31:58
